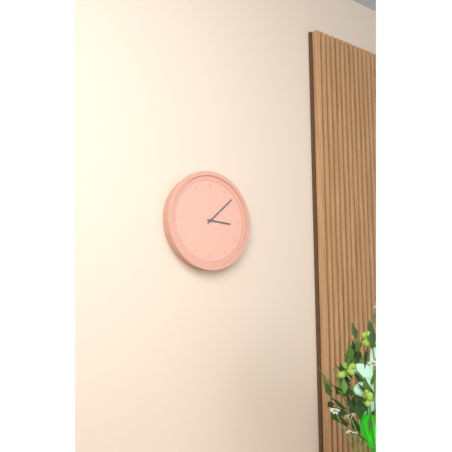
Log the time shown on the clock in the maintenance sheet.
3:08
